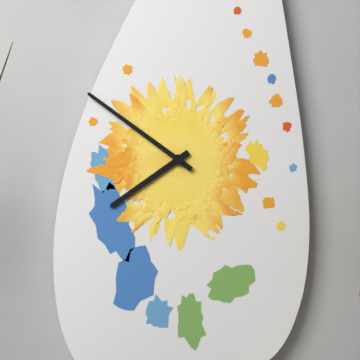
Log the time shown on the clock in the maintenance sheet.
7:51
